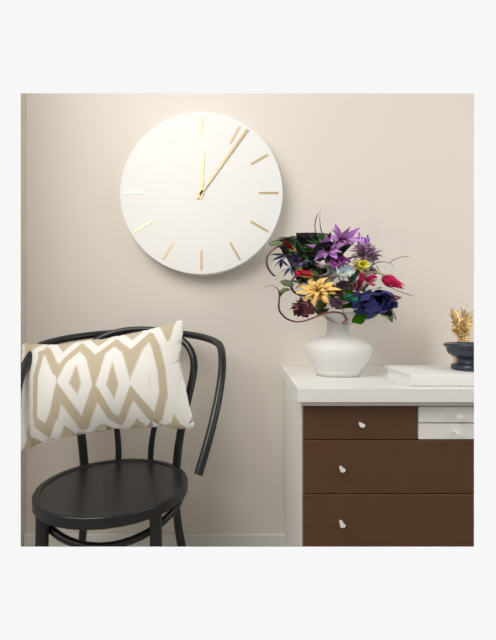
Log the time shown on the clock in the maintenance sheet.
12:06
